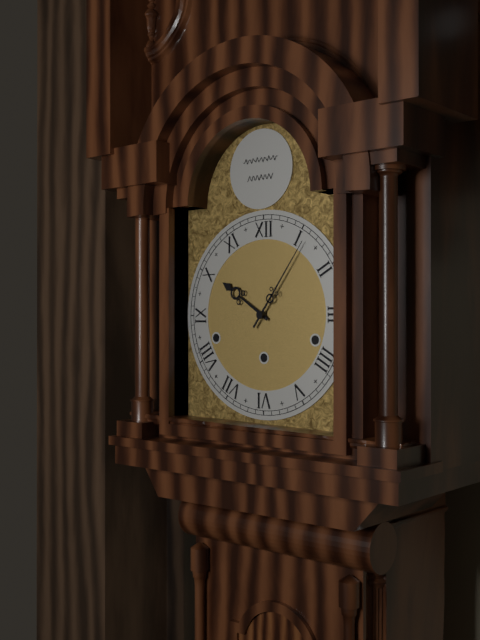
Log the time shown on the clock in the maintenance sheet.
10:06
